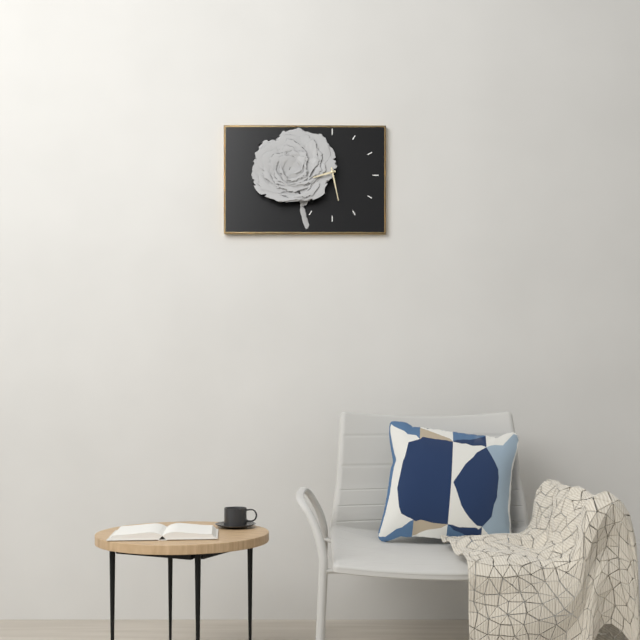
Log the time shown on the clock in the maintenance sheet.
8:28
